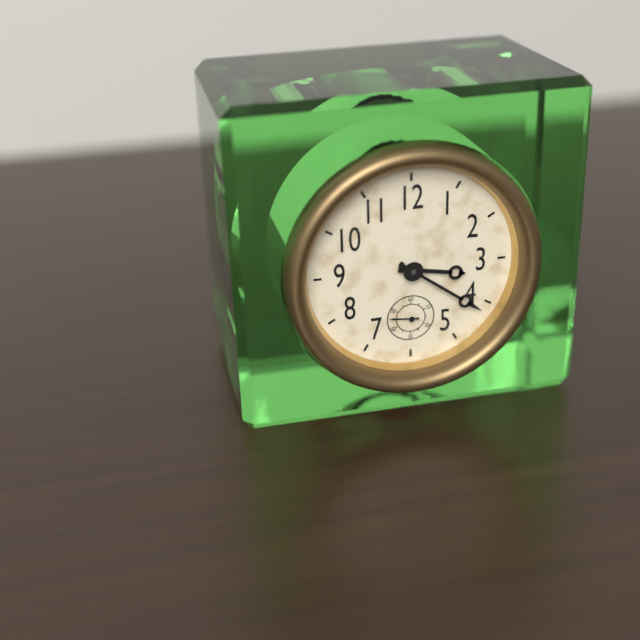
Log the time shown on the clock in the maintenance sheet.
3:21
